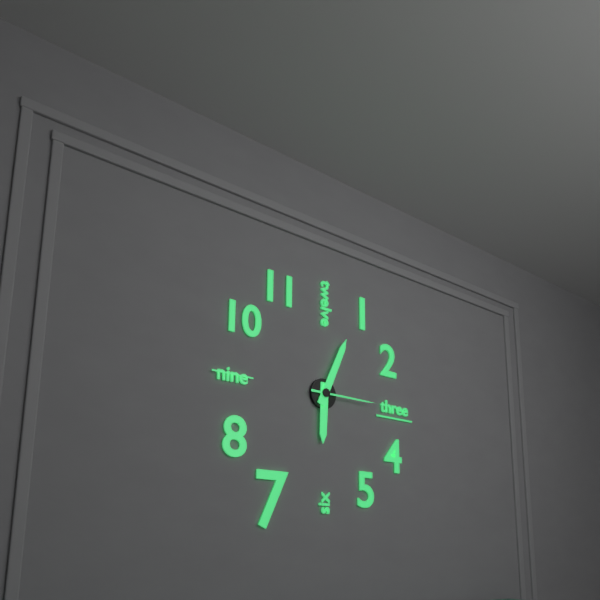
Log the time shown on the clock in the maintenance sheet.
6:04:15
